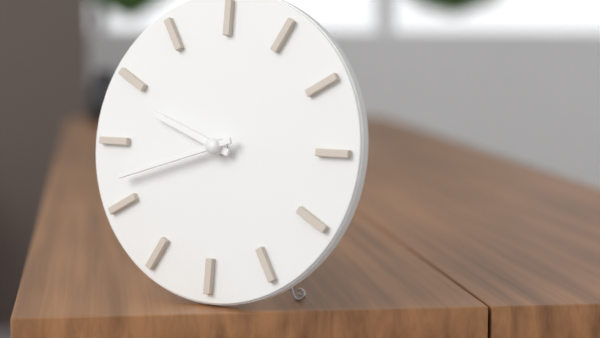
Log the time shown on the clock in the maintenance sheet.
9:42
